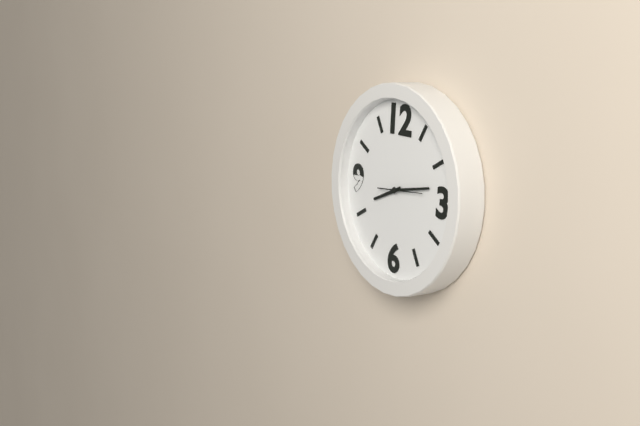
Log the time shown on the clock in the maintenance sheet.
8:13
